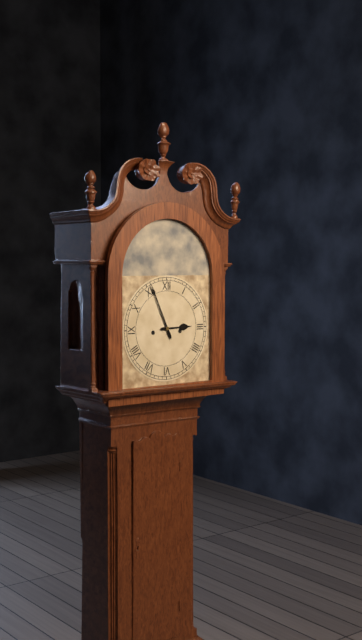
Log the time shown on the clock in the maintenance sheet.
2:56
